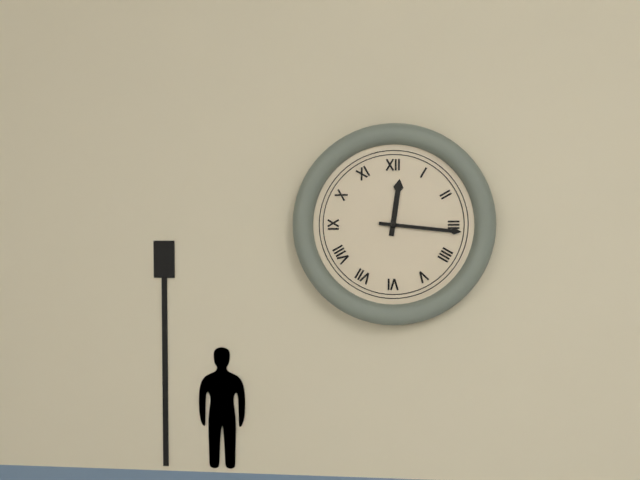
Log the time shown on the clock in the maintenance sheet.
12:16
